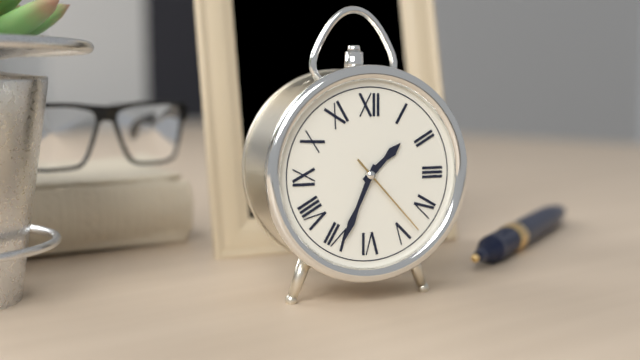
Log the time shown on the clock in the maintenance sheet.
1:34:23
